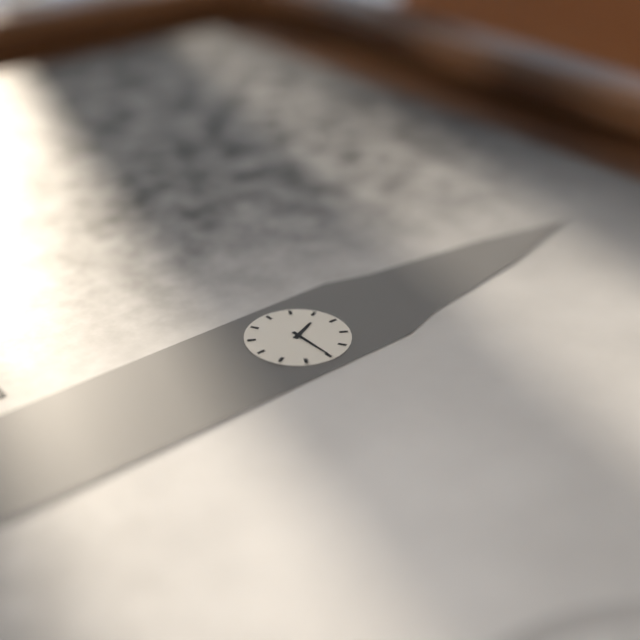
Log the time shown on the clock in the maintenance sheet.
11:15
